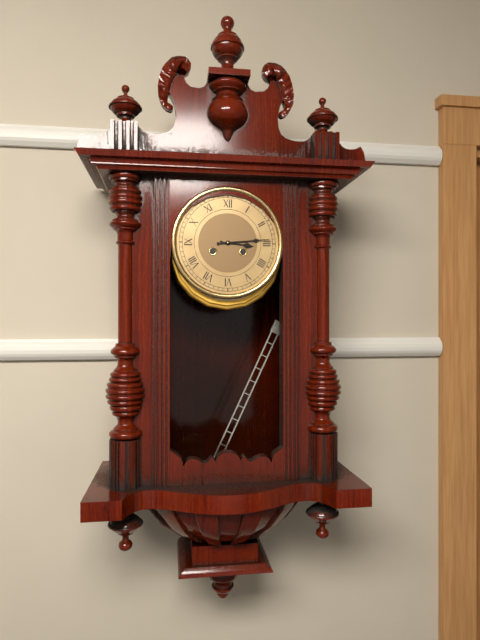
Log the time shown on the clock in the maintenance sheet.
3:14
